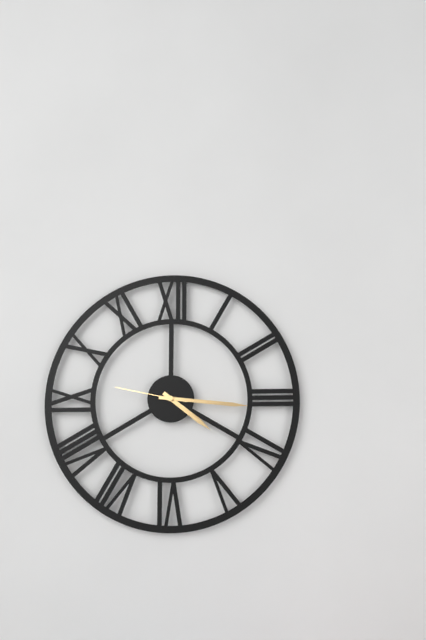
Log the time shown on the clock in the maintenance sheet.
4:16:47
